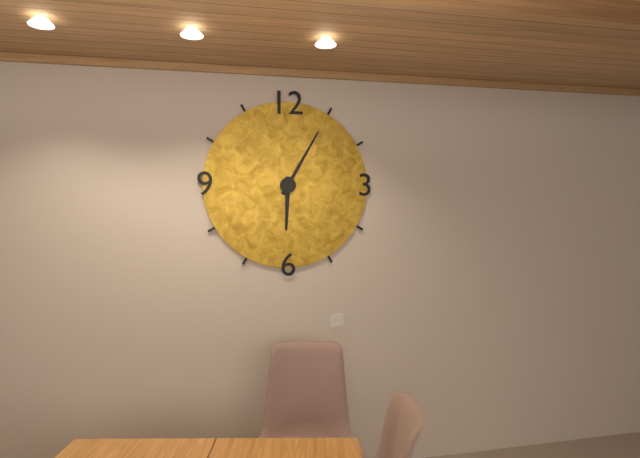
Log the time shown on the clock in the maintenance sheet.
6:05
